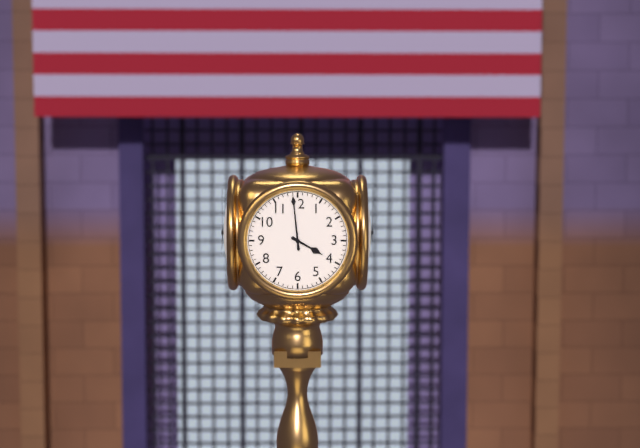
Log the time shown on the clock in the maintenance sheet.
3:59
